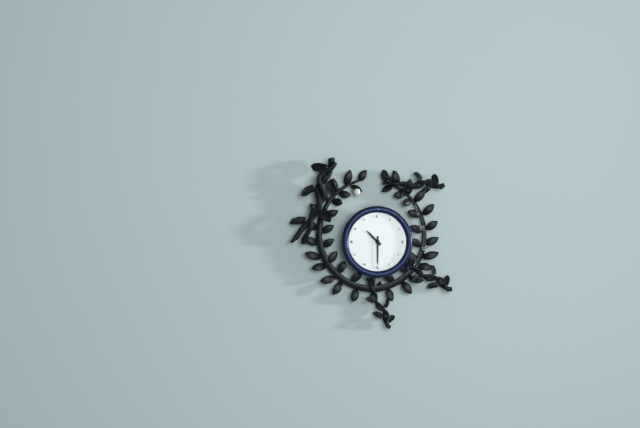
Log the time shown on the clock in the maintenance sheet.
10:30
